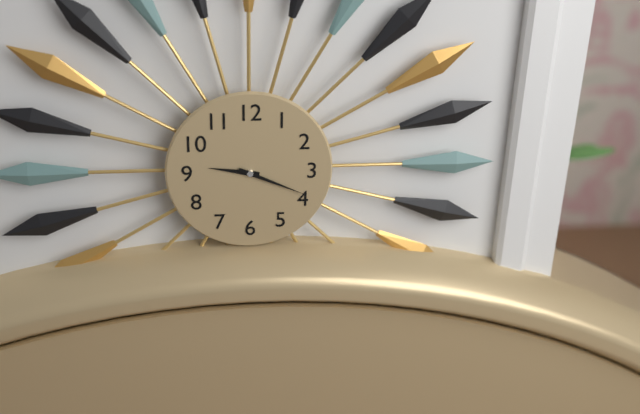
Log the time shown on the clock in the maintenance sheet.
9:19
